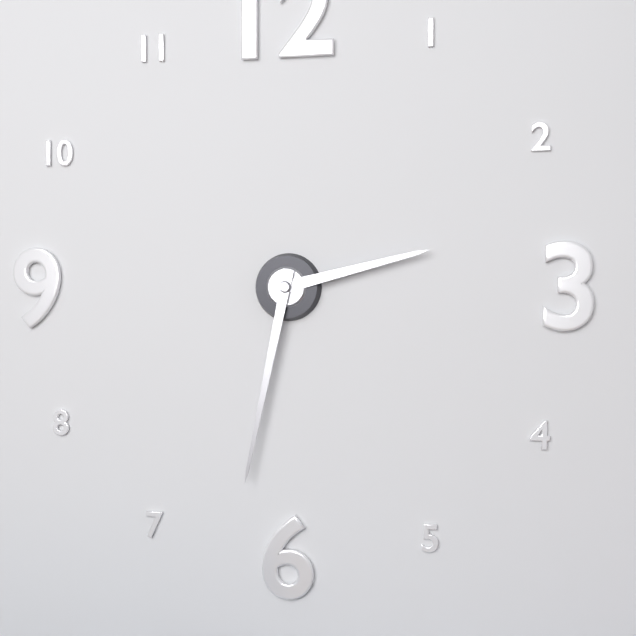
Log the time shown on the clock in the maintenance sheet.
2:32
